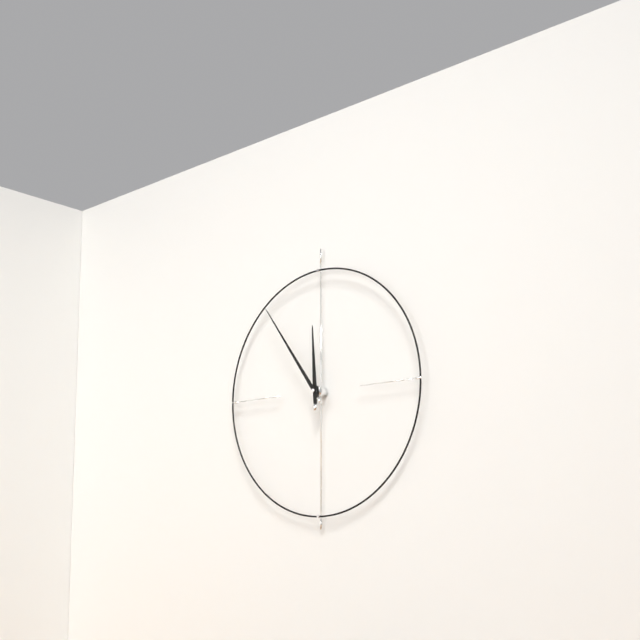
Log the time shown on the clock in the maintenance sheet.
11:54
